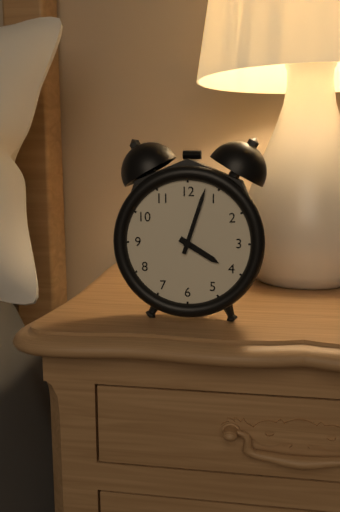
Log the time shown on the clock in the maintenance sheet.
4:03
